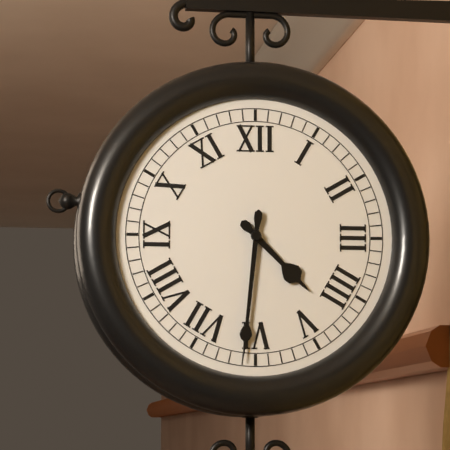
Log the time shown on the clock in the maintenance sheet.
4:31
